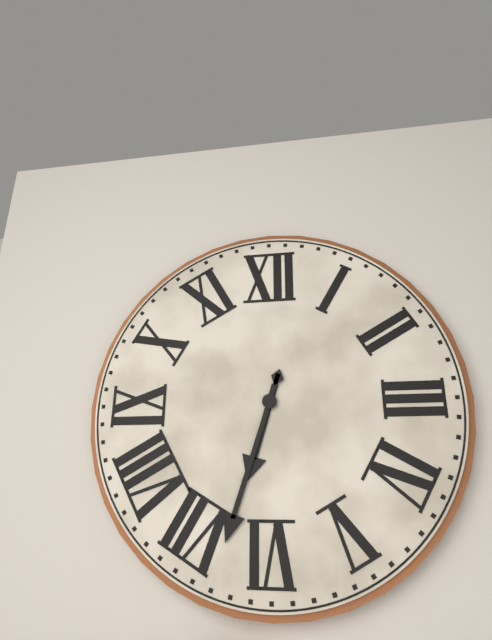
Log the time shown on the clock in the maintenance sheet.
6:33
